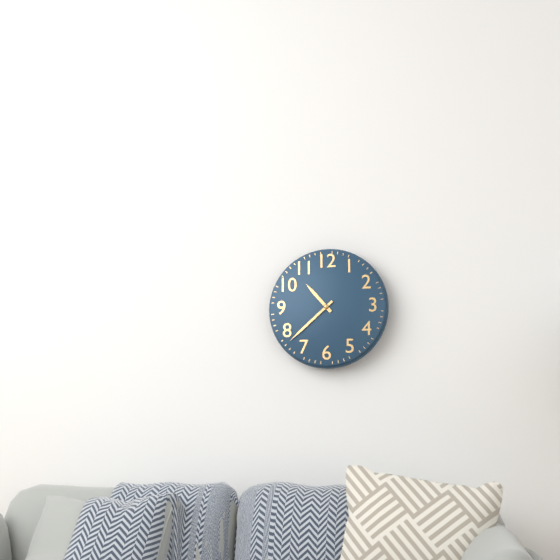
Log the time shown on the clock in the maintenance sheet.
10:38
